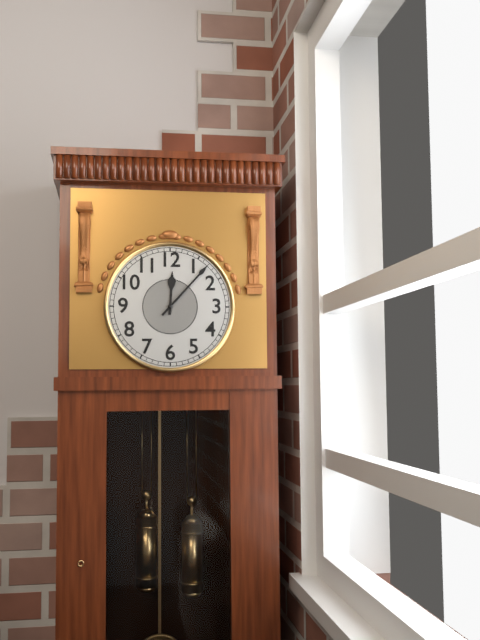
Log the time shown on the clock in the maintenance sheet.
12:07
